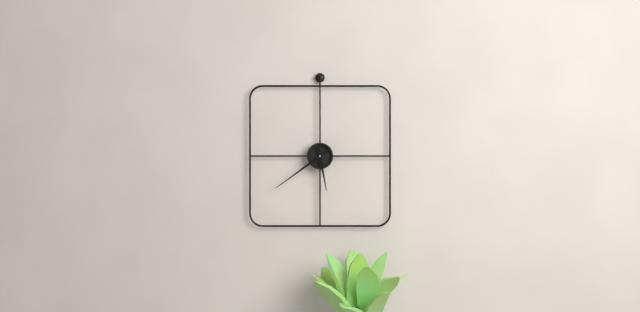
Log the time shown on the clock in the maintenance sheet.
5:39
